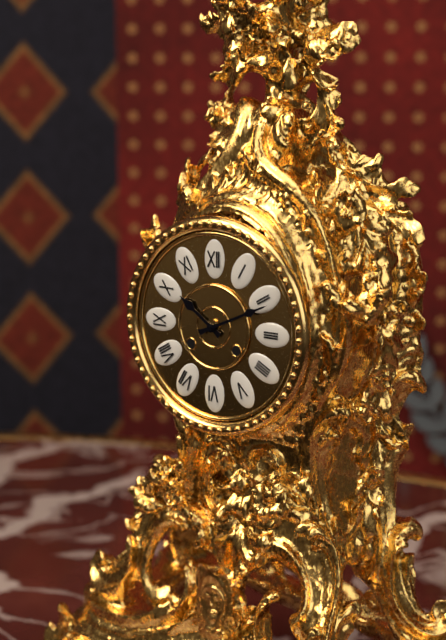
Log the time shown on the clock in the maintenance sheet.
10:11
